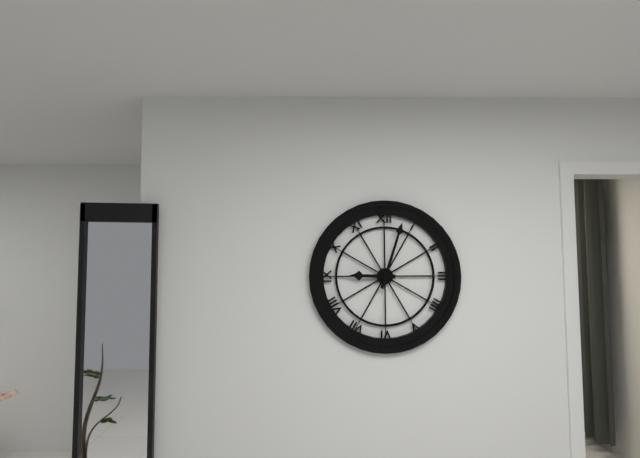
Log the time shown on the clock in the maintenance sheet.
9:03
